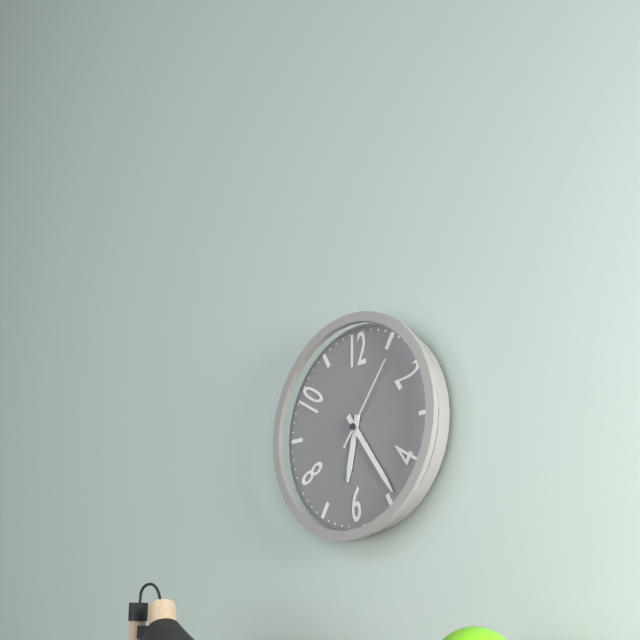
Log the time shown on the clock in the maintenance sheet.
6:24:06
